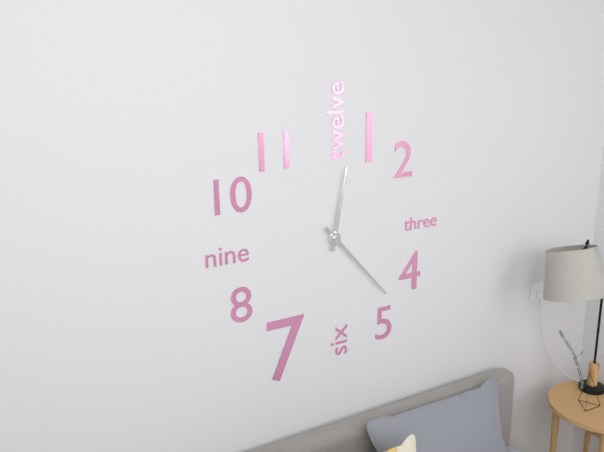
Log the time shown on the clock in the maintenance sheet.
12:23
